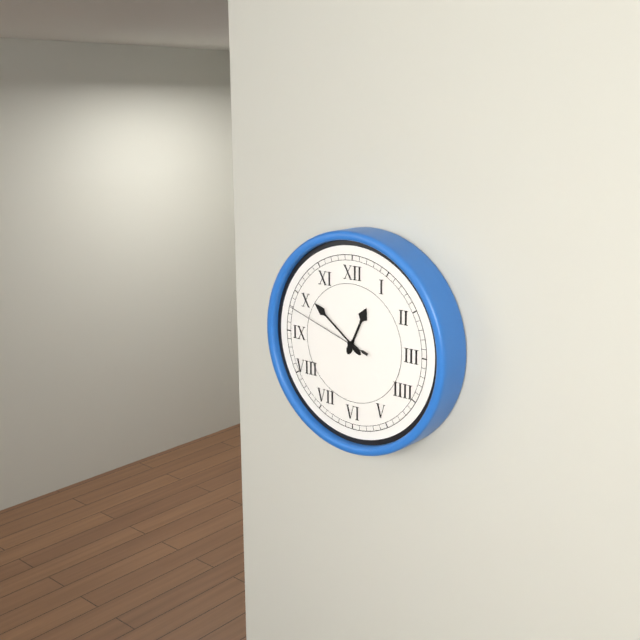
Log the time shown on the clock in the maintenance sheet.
12:51:48
